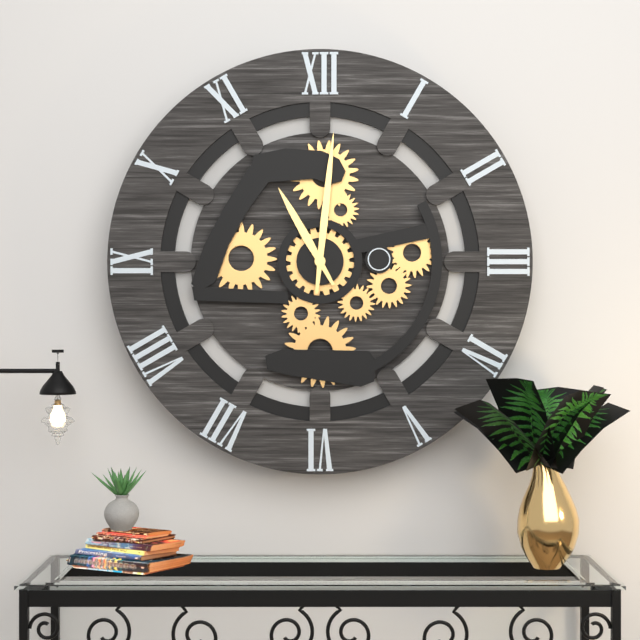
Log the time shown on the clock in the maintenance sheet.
11:01
